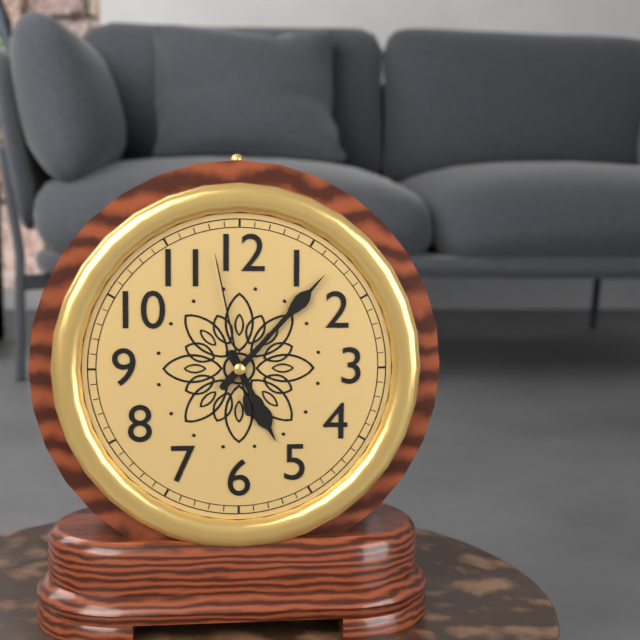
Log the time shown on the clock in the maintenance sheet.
5:07:58
